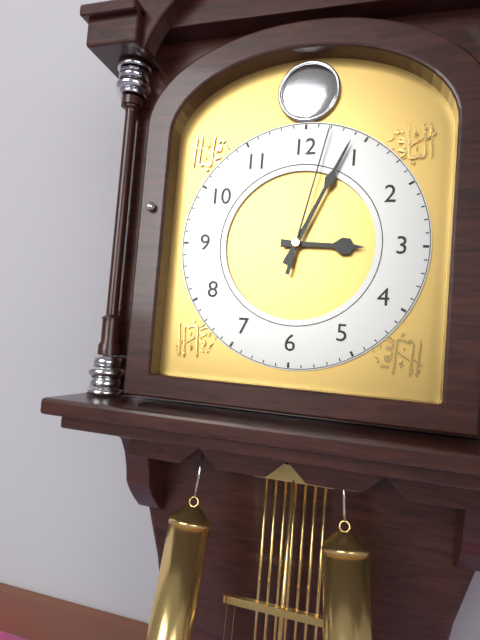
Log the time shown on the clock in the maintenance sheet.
3:04:02
